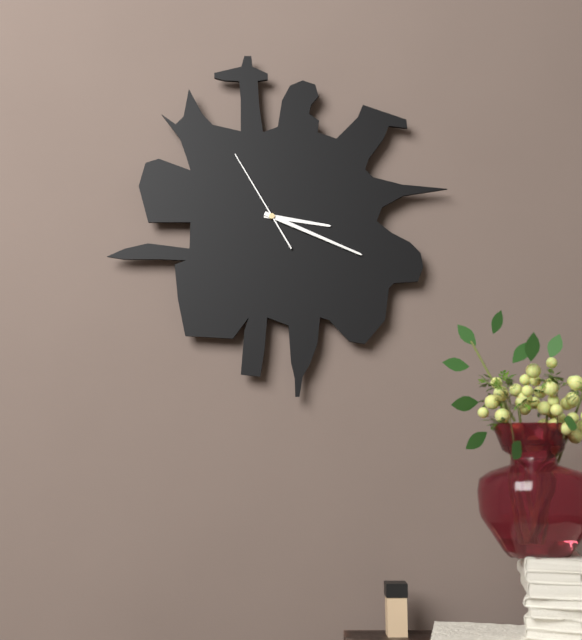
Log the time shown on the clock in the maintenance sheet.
3:19:55
